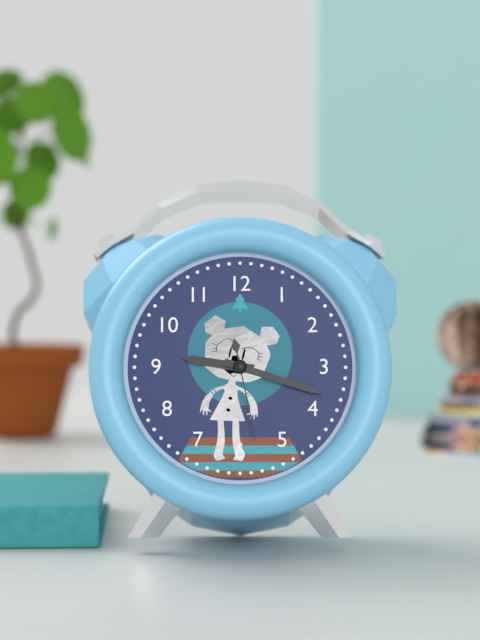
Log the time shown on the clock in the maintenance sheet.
9:18:28
